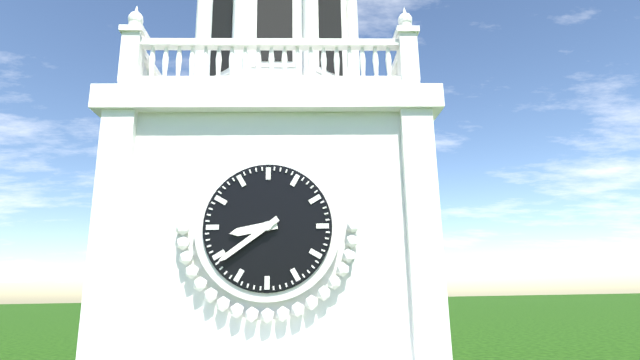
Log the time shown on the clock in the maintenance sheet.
8:39
